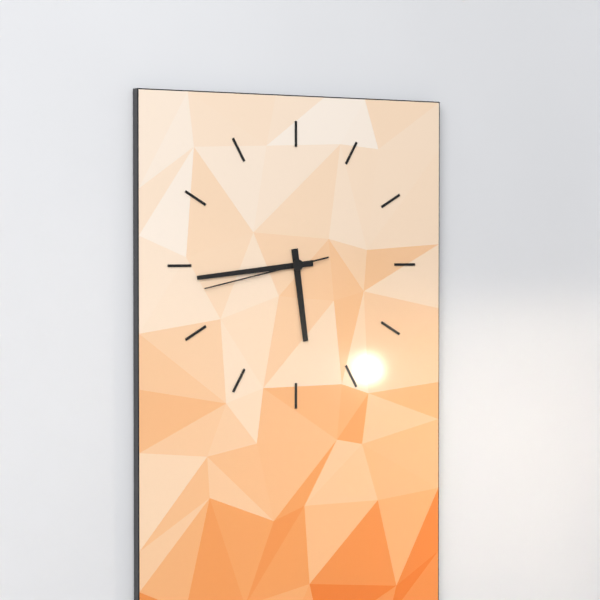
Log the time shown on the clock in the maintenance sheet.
5:44:43
